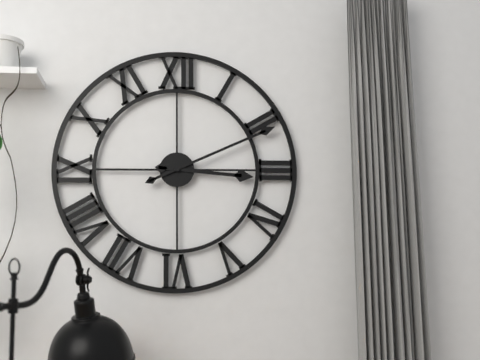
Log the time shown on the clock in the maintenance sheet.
3:11
